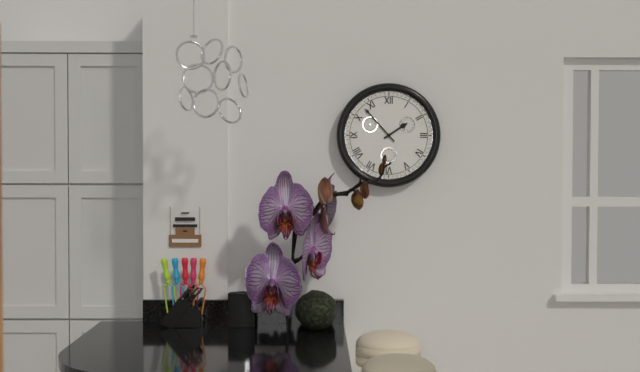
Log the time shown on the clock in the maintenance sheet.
1:53
